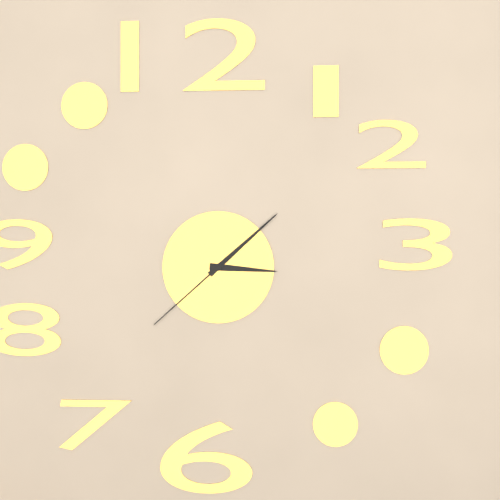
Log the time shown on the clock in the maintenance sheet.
3:08:38
